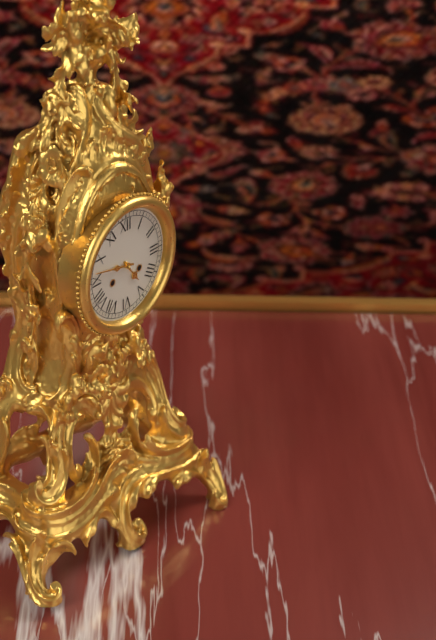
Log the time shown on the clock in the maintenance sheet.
4:47
